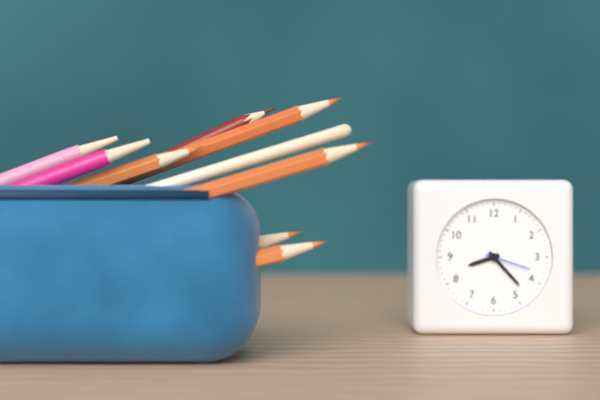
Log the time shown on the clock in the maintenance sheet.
8:23
